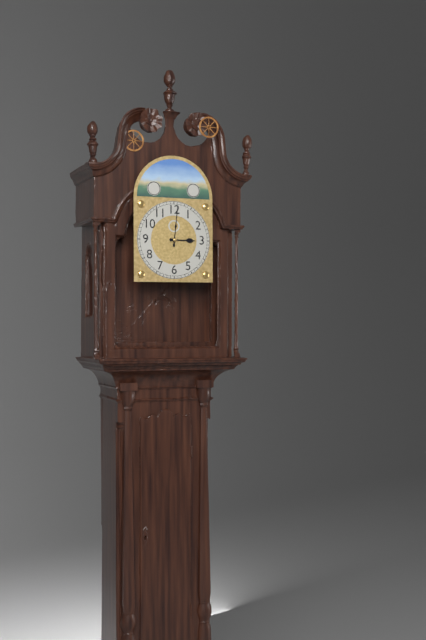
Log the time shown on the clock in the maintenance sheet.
3:01
